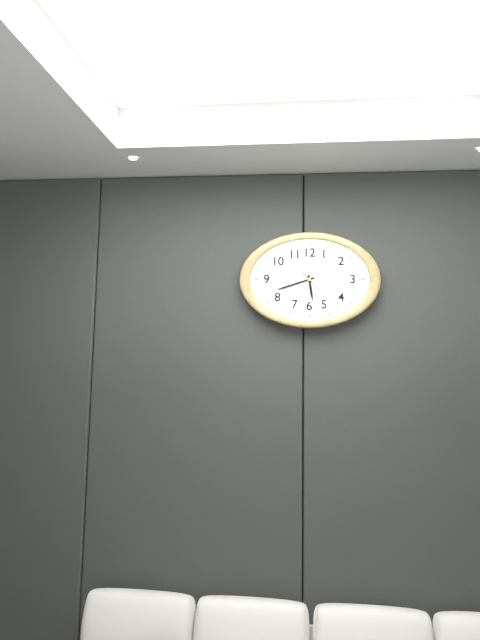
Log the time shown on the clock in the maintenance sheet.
5:42
